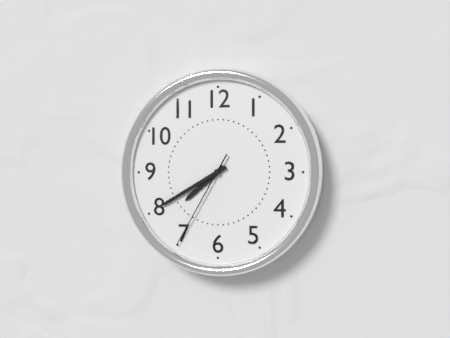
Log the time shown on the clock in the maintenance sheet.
7:40:35
